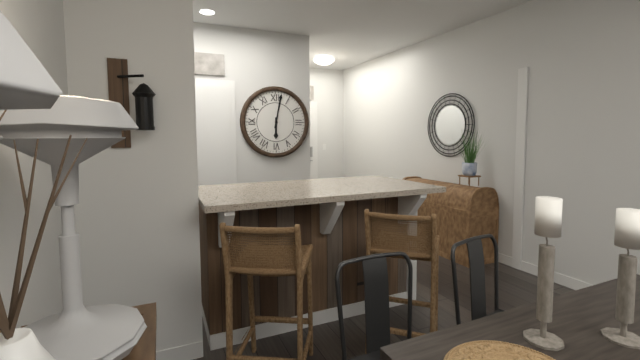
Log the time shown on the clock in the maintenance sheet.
6:02
